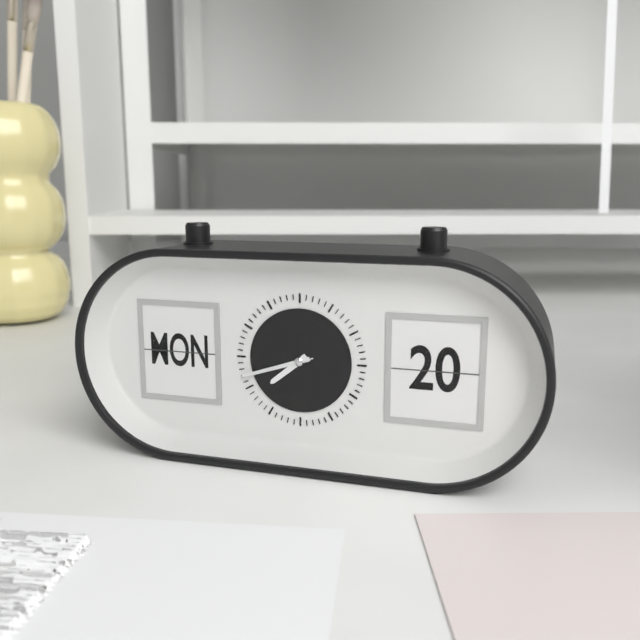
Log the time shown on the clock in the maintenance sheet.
7:42:42
